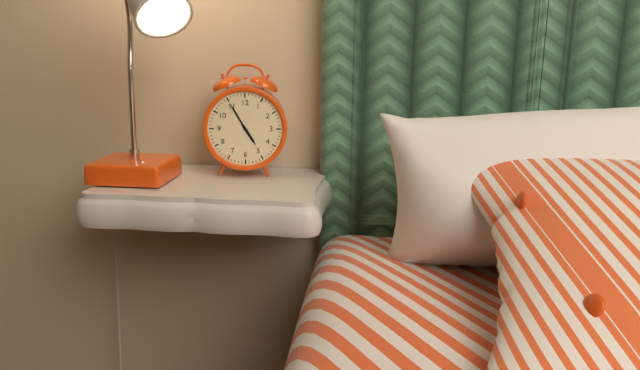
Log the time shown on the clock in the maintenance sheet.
4:55
